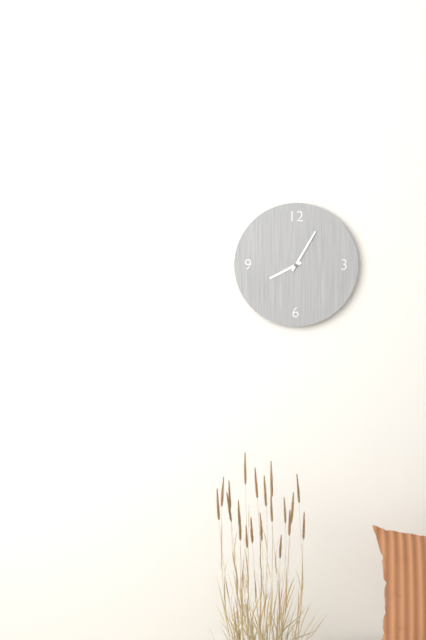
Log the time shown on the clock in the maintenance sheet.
8:05
